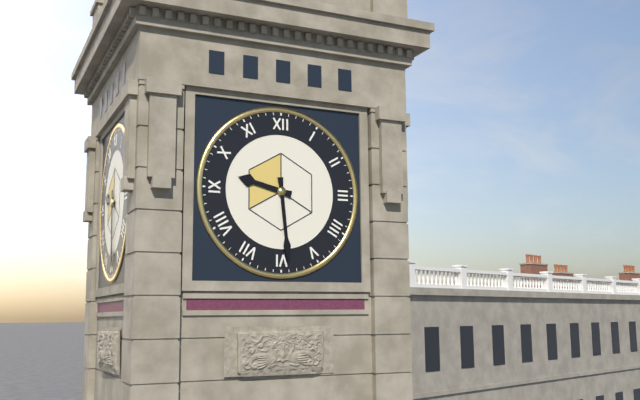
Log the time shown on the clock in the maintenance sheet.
9:29
